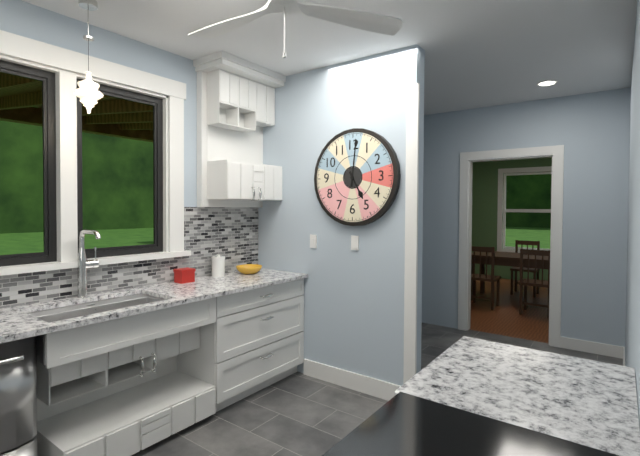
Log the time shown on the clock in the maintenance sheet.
5:01
